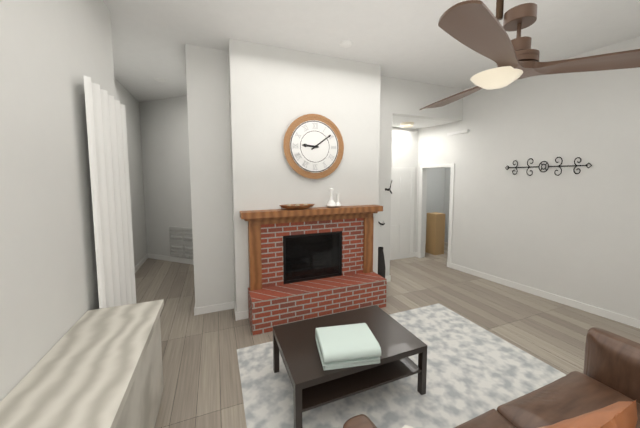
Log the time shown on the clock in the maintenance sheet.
9:09
